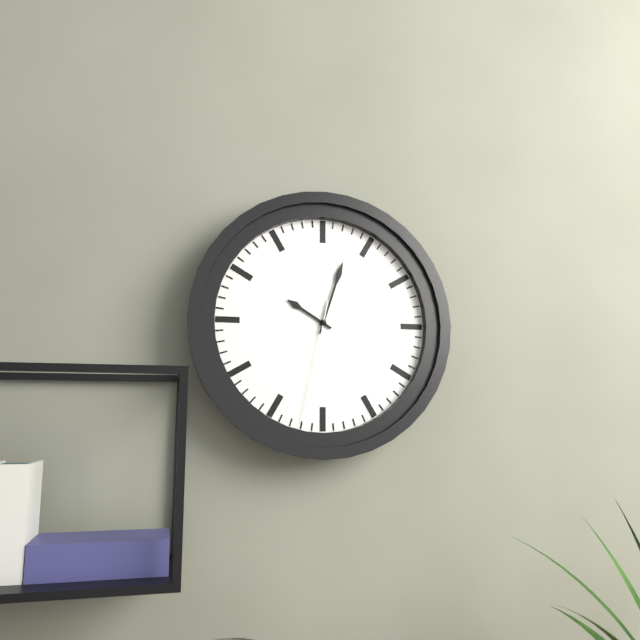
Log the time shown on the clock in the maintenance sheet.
10:03:32
